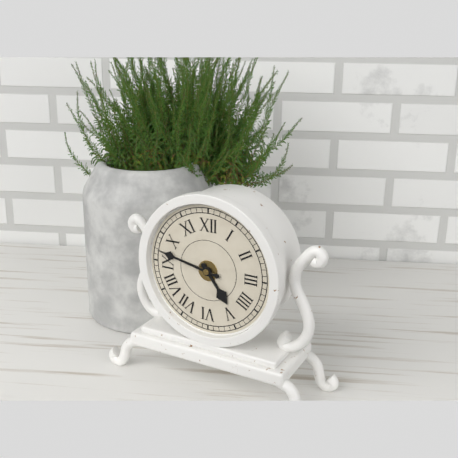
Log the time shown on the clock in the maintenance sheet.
4:47
